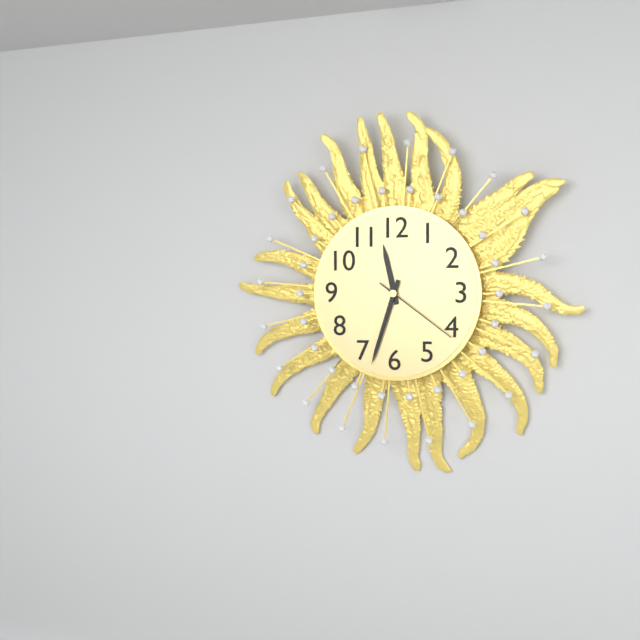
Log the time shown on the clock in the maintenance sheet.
11:33:21
